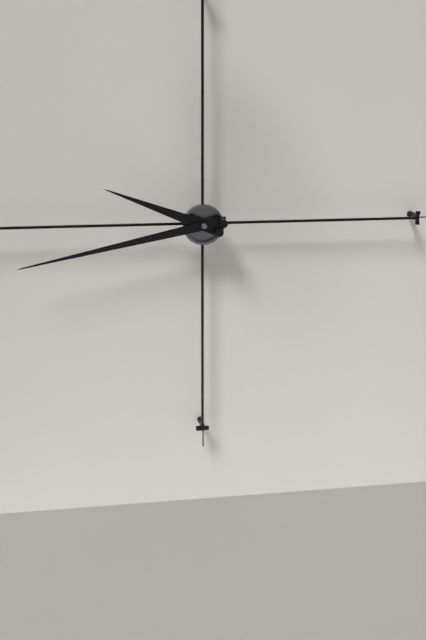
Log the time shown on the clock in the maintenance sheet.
9:43
